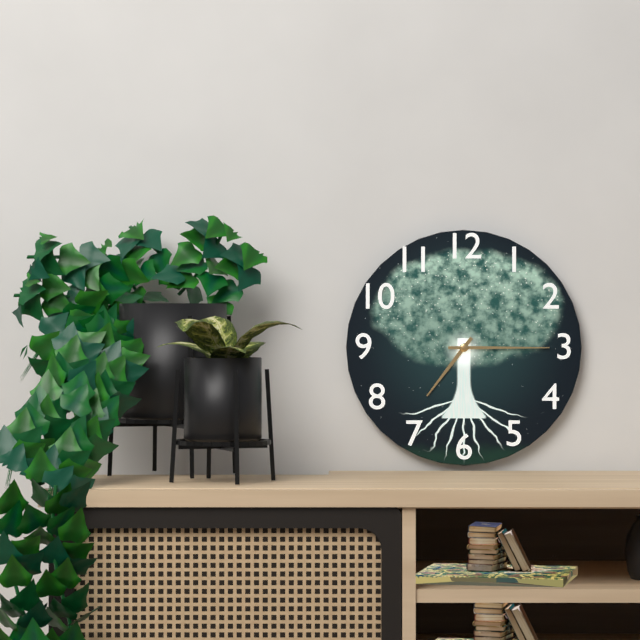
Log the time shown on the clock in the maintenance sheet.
7:15
